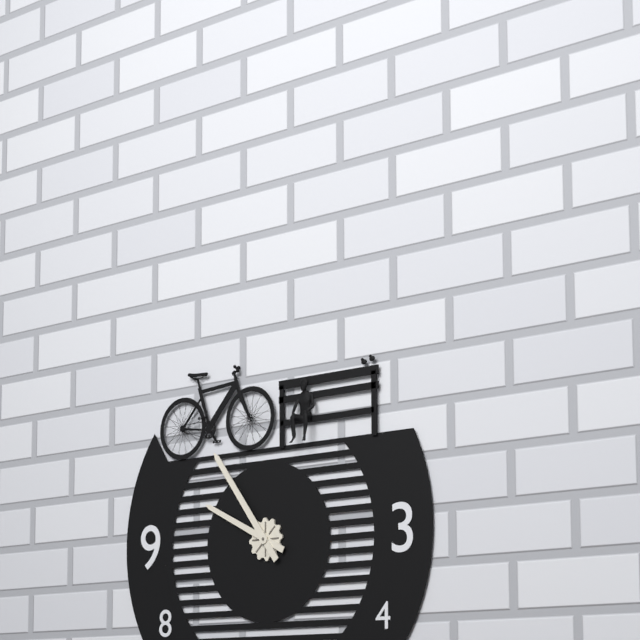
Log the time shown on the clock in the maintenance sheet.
9:54
